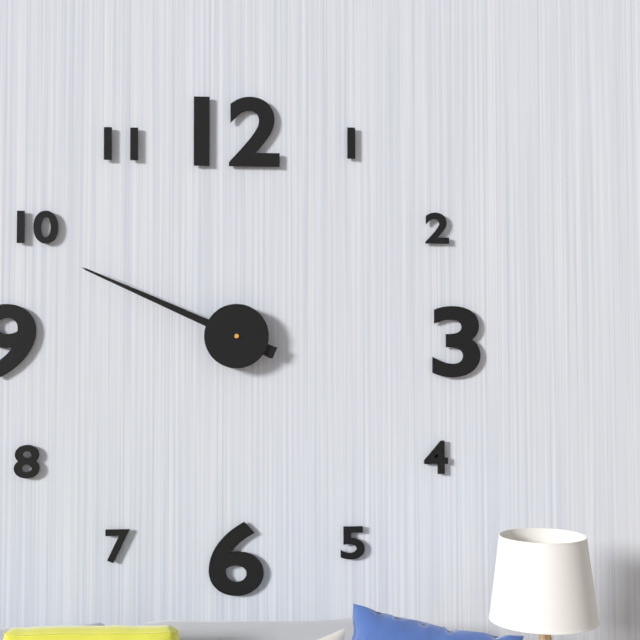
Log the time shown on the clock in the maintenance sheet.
9:49
